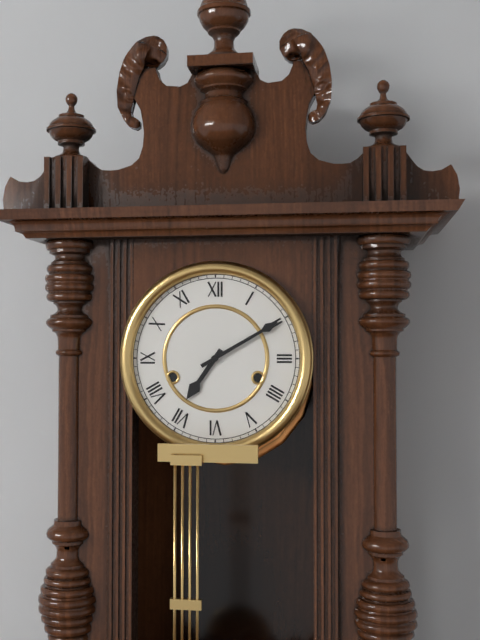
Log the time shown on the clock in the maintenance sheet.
7:10
